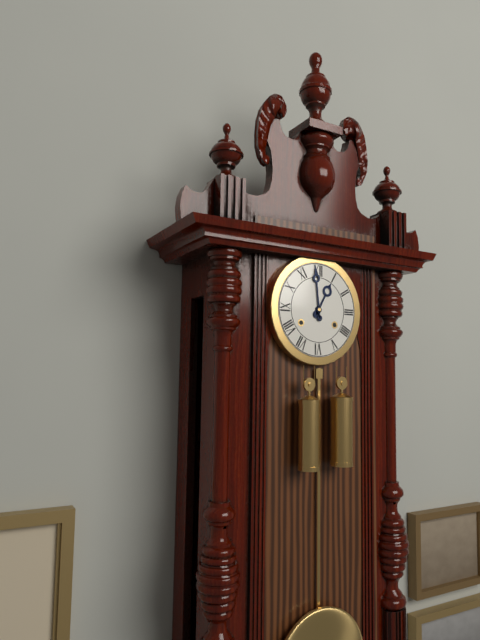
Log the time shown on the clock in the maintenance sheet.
12:59
